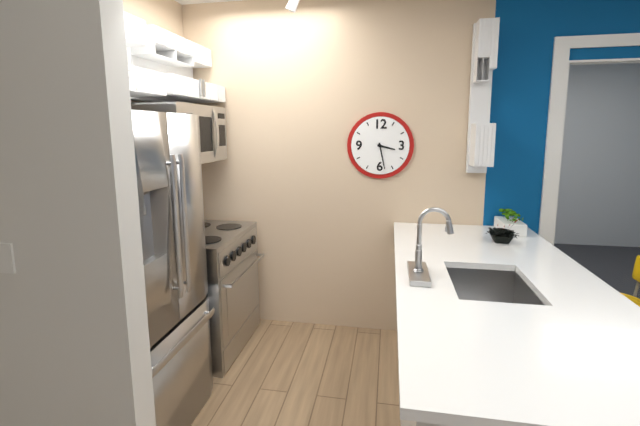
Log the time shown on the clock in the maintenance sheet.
3:28
